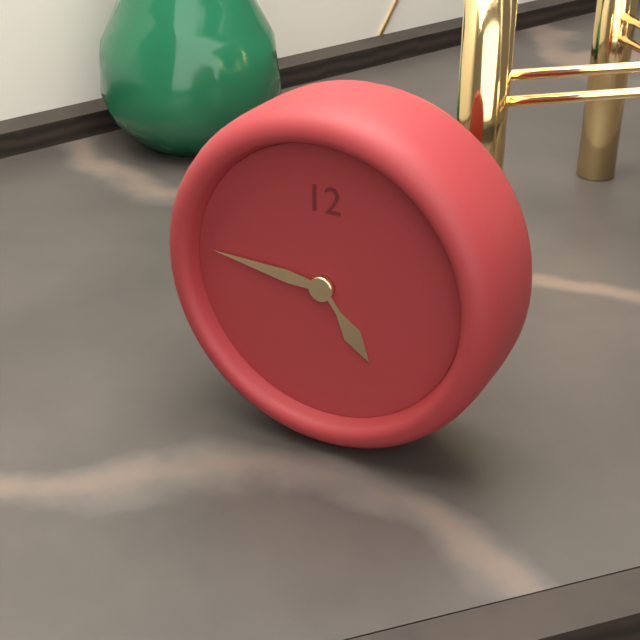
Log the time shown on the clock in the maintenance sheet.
4:46
